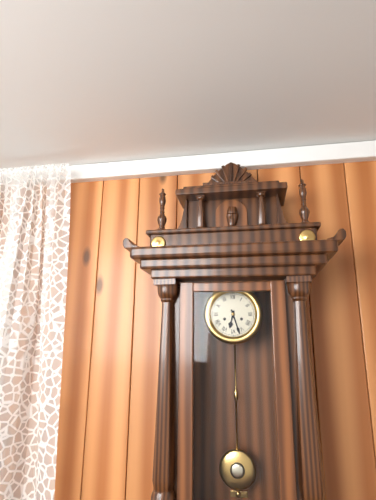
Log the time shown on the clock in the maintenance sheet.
6:27
